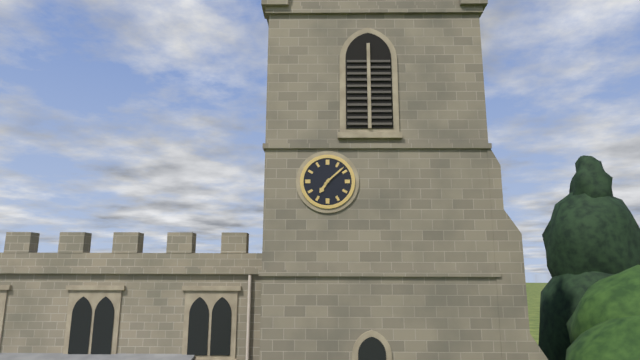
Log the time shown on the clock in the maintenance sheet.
7:08
